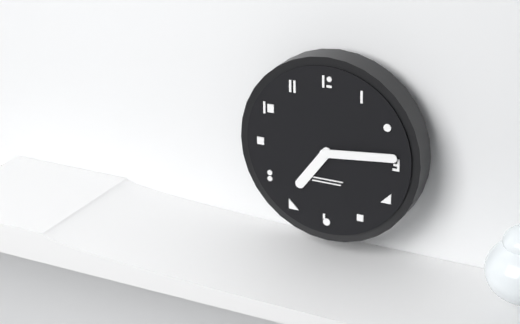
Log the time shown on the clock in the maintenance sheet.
7:14
